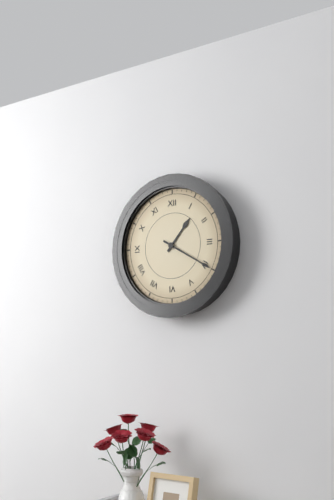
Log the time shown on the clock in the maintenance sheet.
1:20
